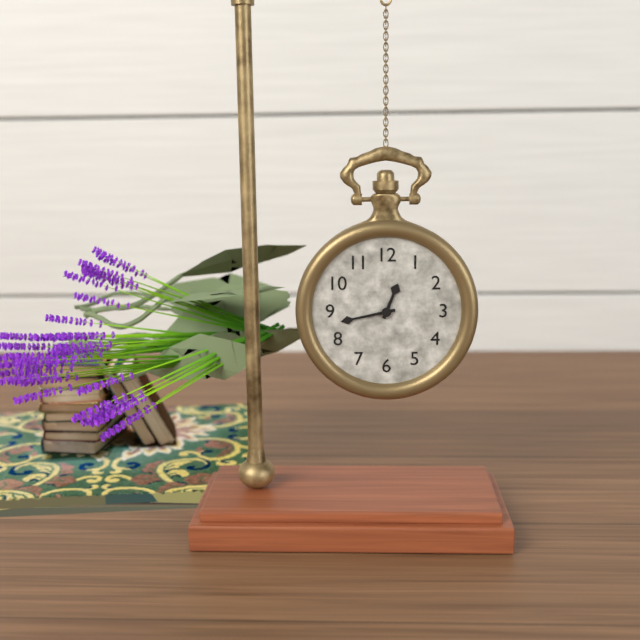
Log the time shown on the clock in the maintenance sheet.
12:43
